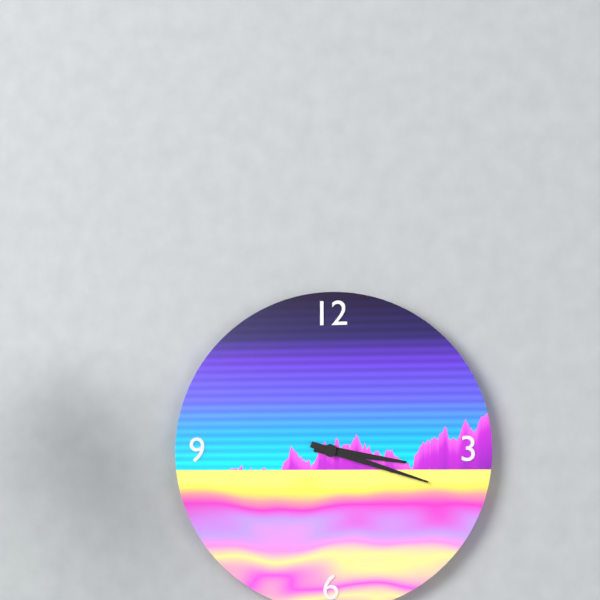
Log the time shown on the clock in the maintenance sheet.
3:18
